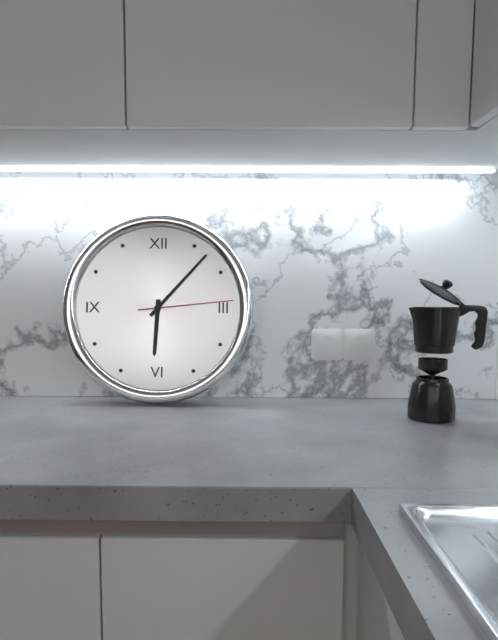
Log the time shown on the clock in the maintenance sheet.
6:07:14
